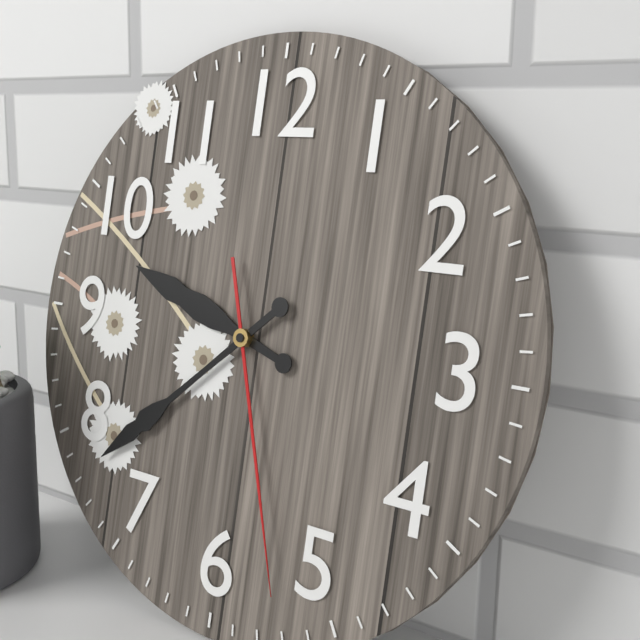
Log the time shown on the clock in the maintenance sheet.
9:38:27
